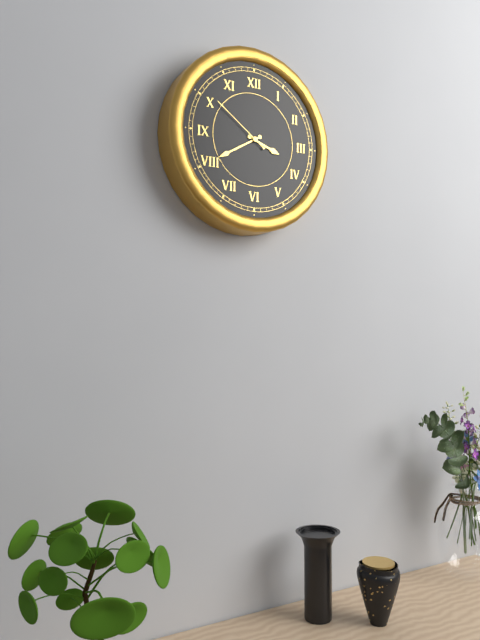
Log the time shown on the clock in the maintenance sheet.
3:40:51
